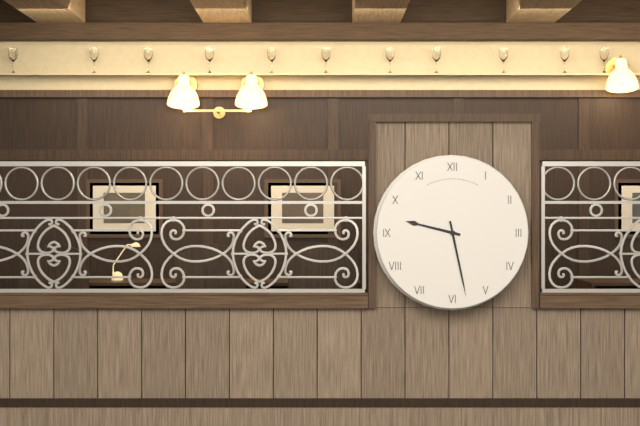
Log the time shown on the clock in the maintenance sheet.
9:28
